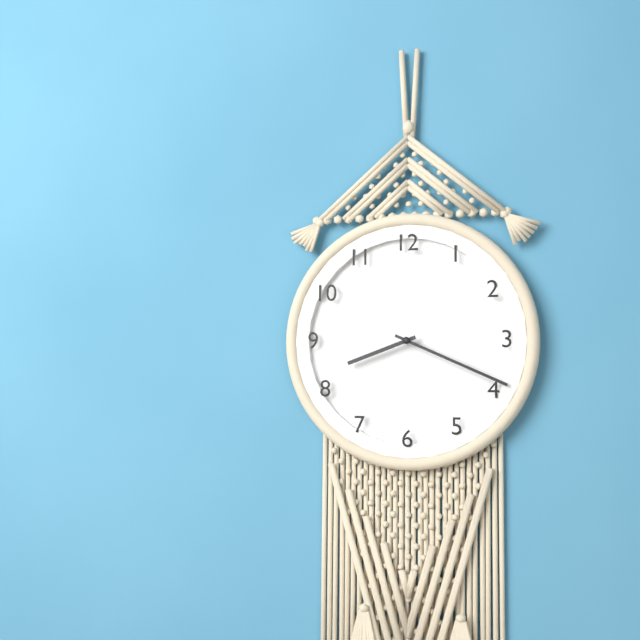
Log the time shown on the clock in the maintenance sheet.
8:19
